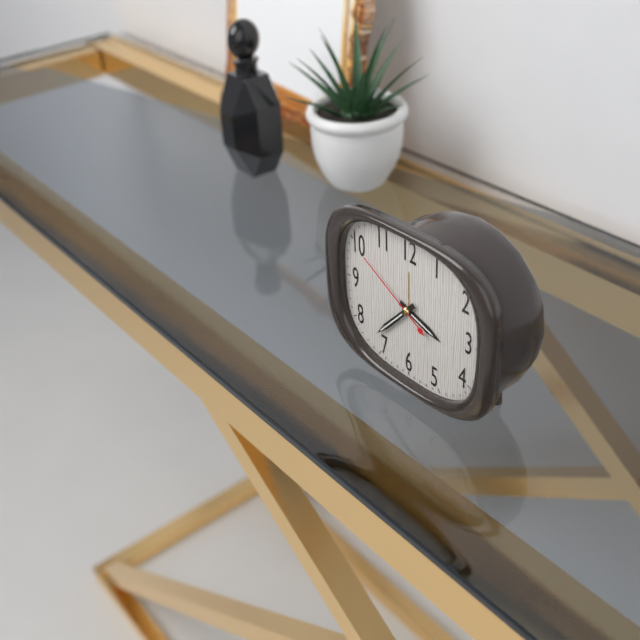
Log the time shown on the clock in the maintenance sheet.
3:37:50
